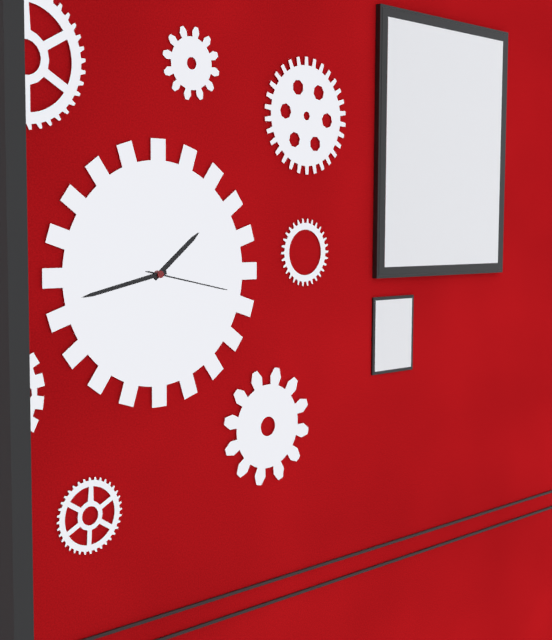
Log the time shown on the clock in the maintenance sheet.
1:43:17
